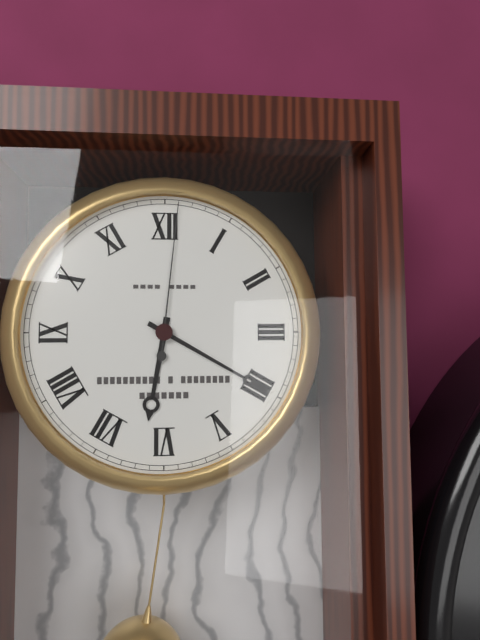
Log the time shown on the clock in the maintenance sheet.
6:20:01
